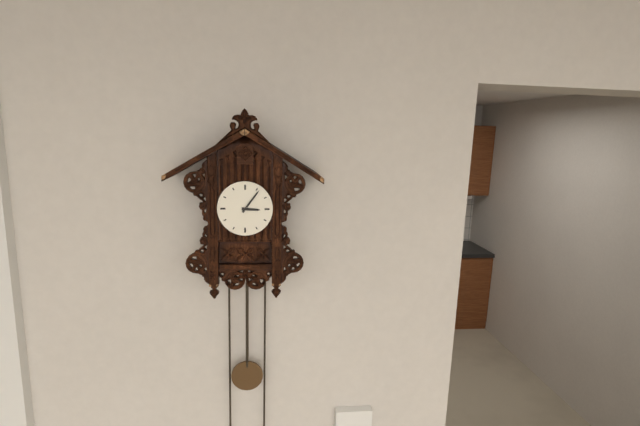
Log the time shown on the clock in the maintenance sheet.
3:06
